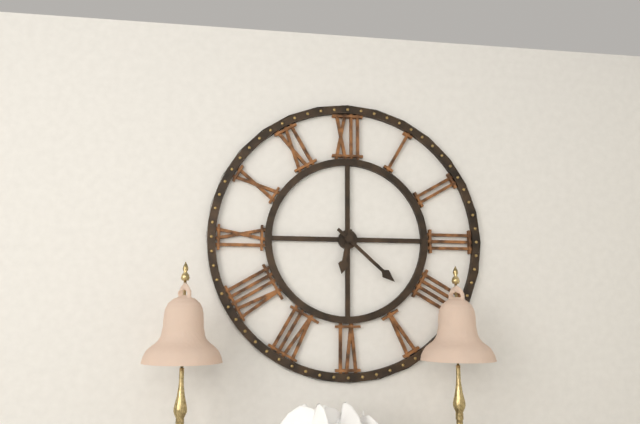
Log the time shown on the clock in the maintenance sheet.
6:22
